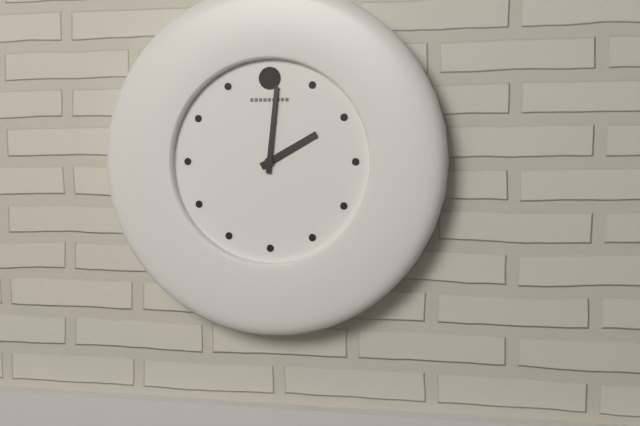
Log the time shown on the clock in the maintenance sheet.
2:01
